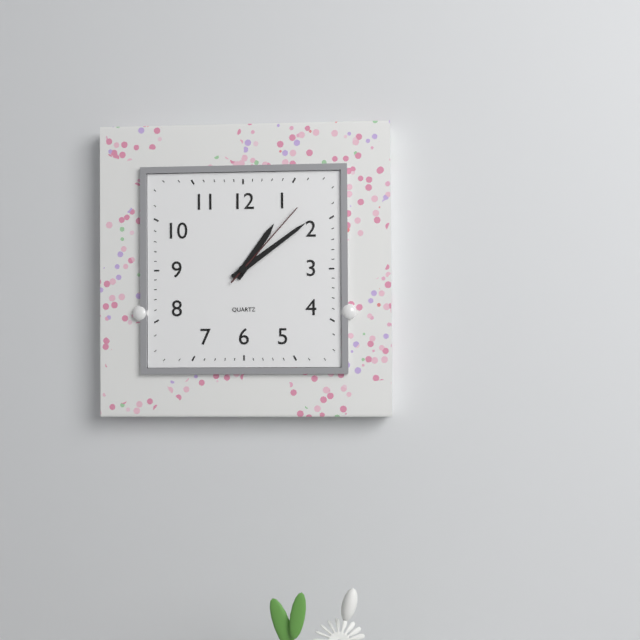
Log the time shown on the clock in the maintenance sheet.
1:09:07
